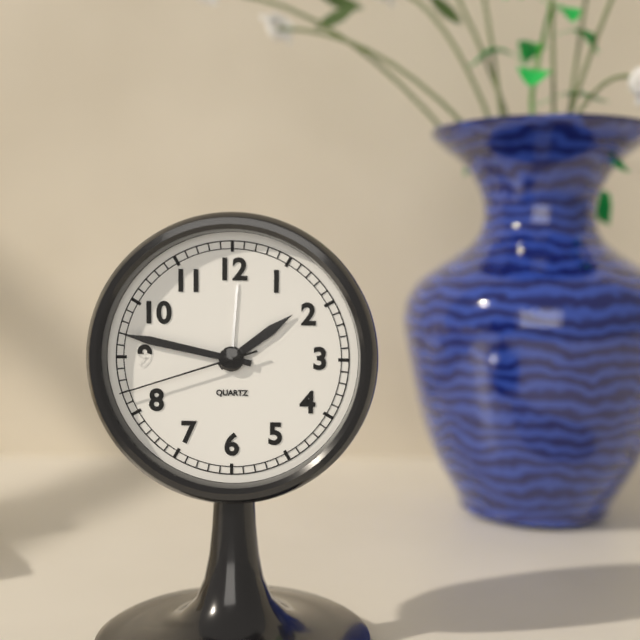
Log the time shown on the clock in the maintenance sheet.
1:47:42
